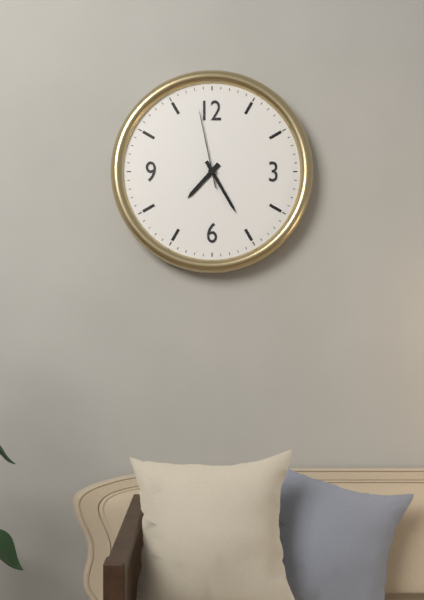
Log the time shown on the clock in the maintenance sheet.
7:25:58
